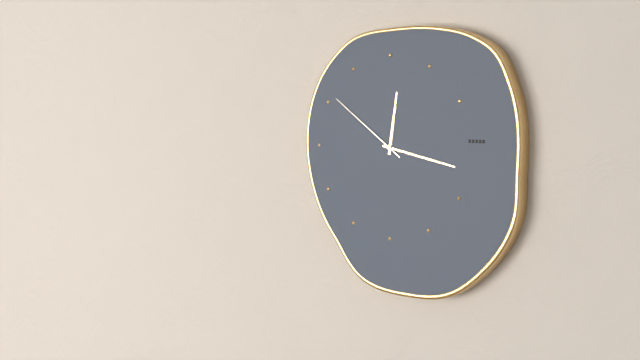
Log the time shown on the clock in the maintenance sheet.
12:17:51
